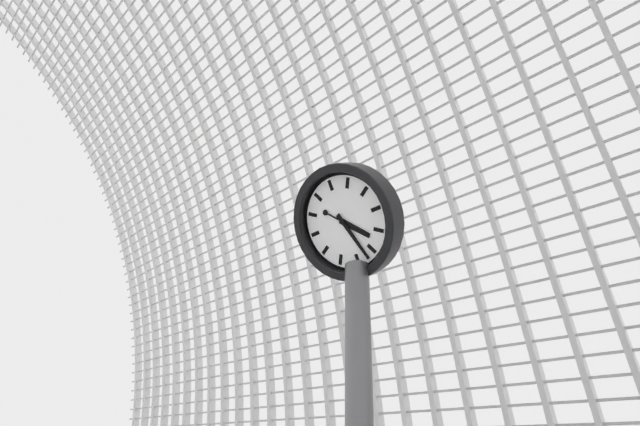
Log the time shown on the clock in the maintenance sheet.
4:27
